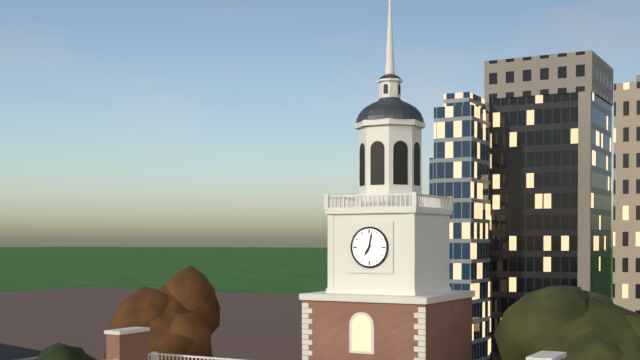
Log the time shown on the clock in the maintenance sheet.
7:02
